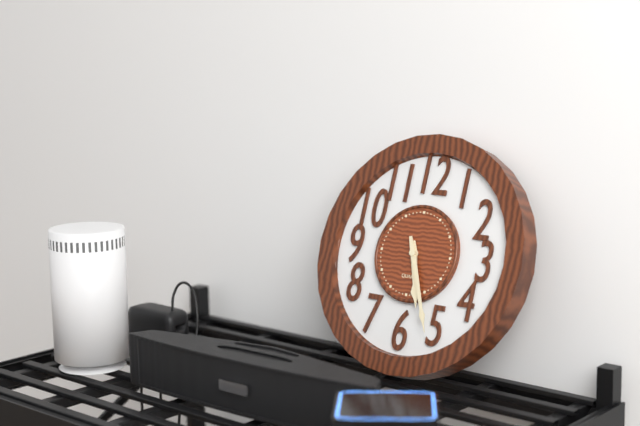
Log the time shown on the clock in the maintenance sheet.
5:26
